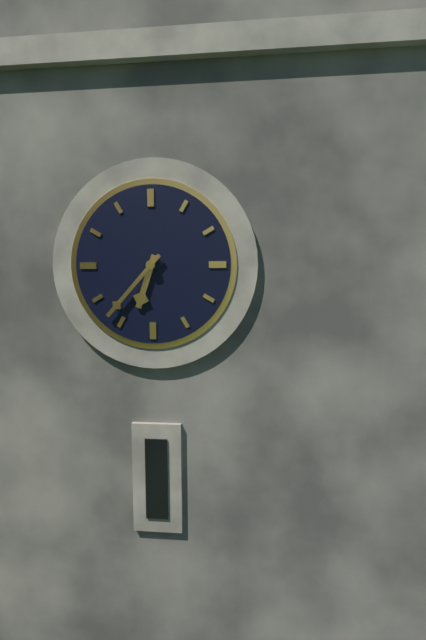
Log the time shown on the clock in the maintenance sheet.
6:37
